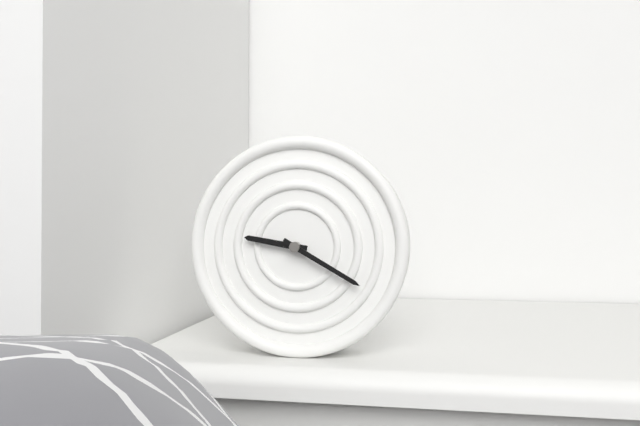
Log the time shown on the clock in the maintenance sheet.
9:20
